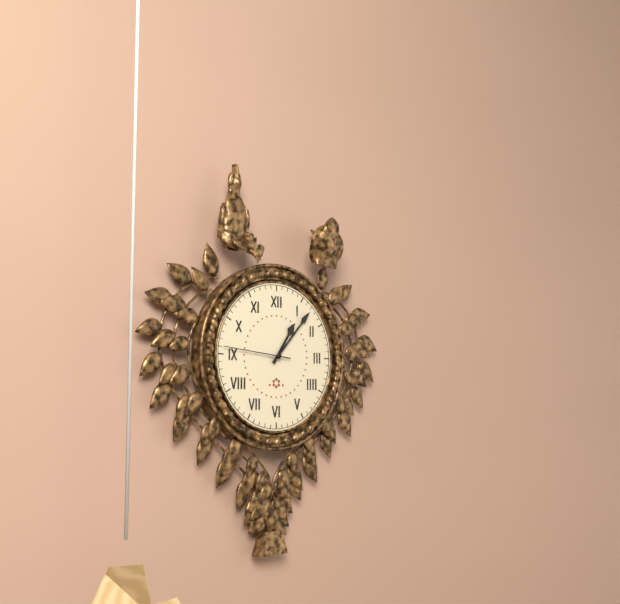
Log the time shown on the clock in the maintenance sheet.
1:07:46
